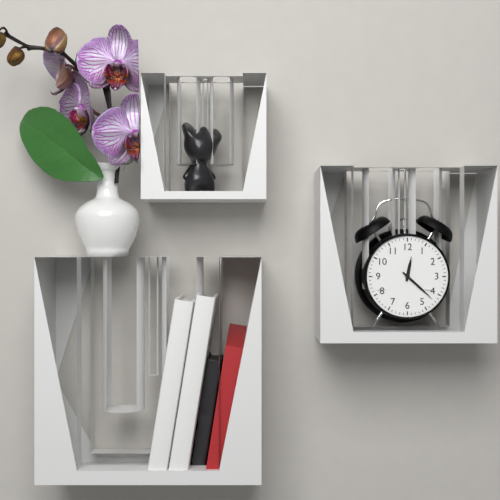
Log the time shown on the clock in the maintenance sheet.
12:22
